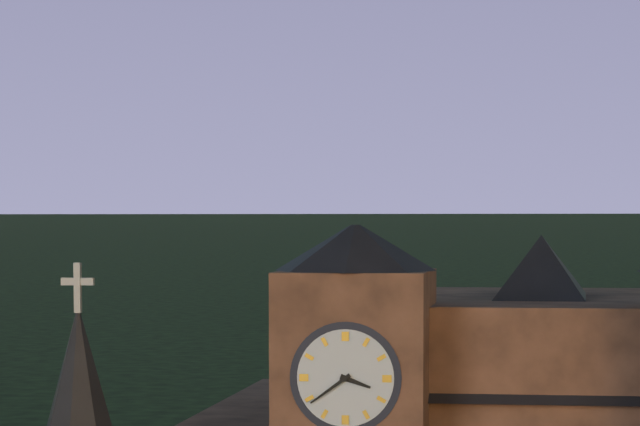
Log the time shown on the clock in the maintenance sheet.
3:39
